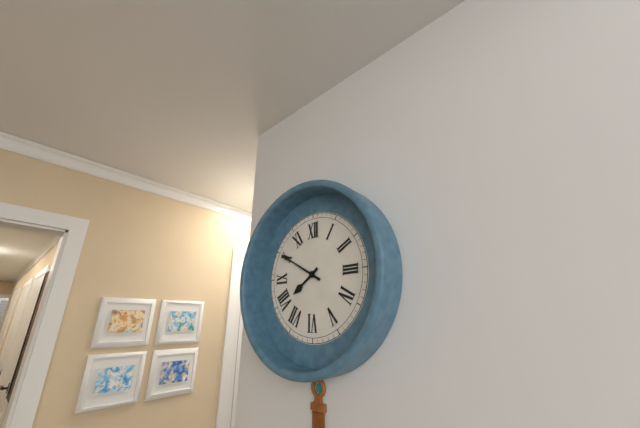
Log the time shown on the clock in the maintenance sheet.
7:50
